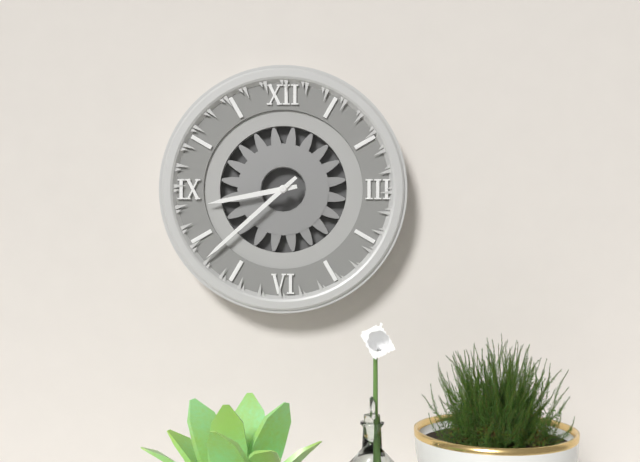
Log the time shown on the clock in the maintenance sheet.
8:38
